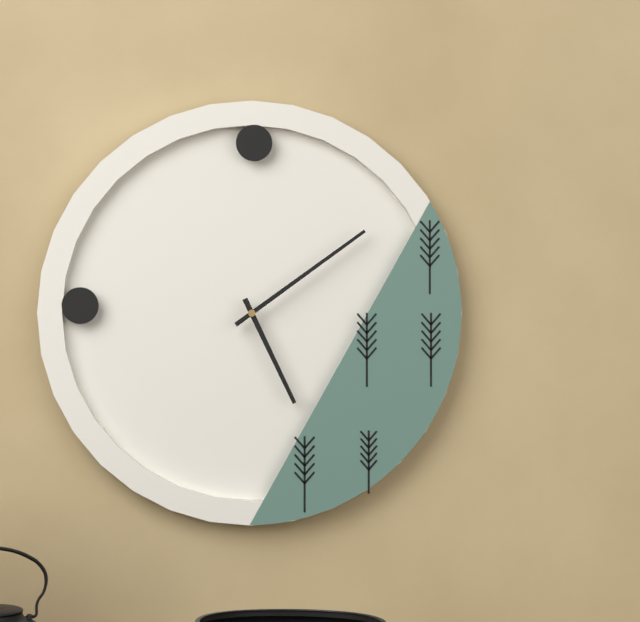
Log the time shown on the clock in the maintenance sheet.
5:09
